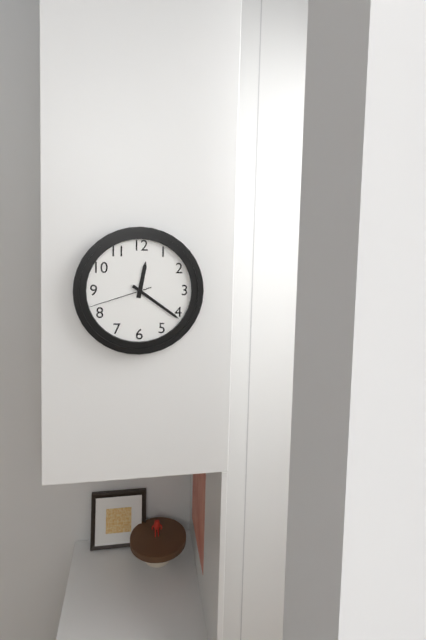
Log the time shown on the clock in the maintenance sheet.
12:21:42
